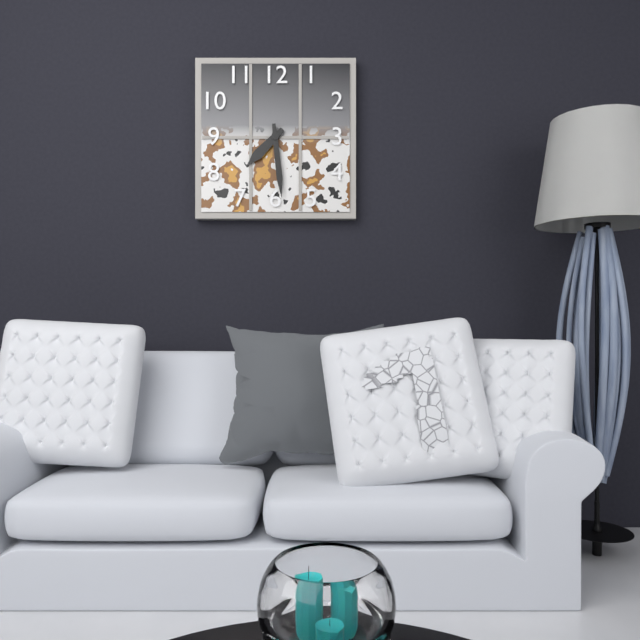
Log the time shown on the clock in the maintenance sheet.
7:29
